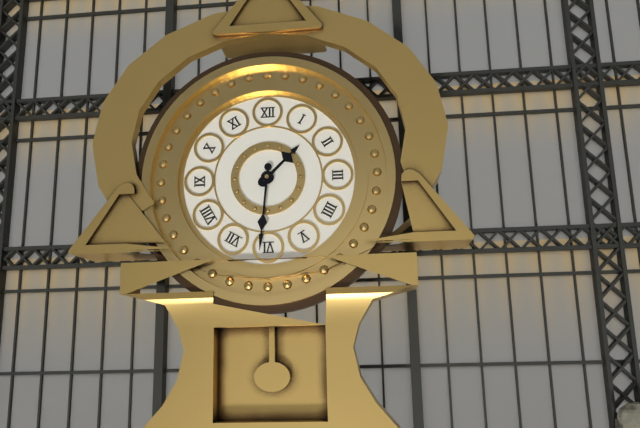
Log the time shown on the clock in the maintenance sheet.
1:31
